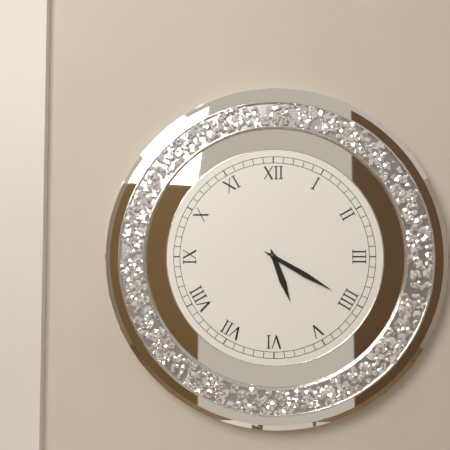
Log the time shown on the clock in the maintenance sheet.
5:20
